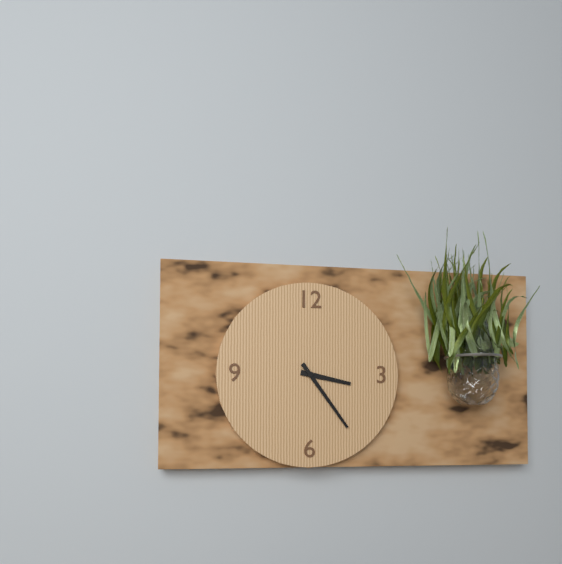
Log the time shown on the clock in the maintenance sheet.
3:24
